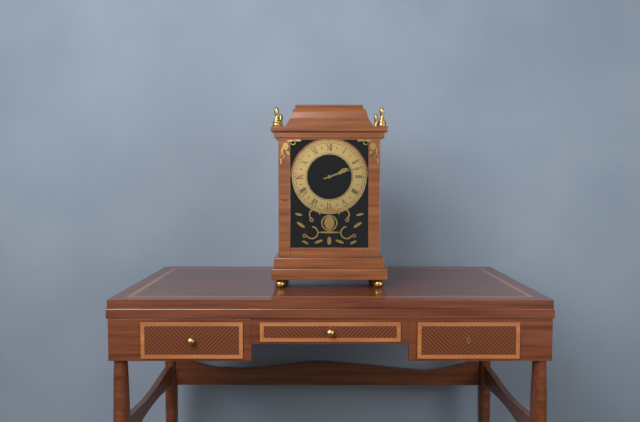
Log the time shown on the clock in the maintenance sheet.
2:12
